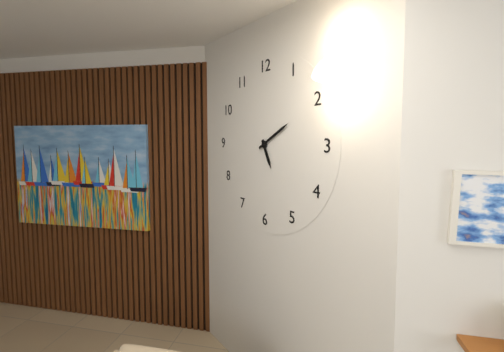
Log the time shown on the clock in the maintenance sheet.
5:10
